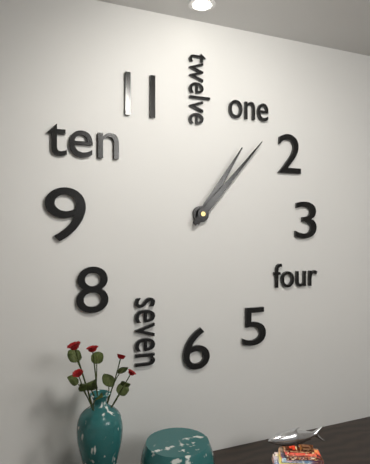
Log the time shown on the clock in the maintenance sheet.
1:07
